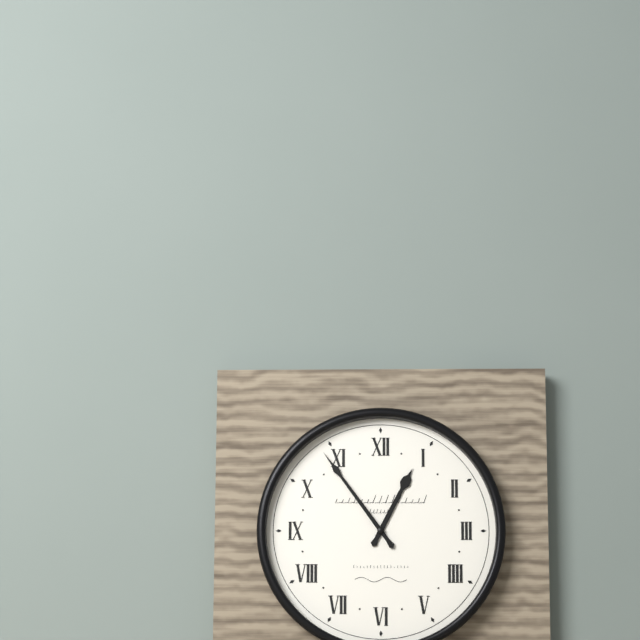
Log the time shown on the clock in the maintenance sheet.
12:54
